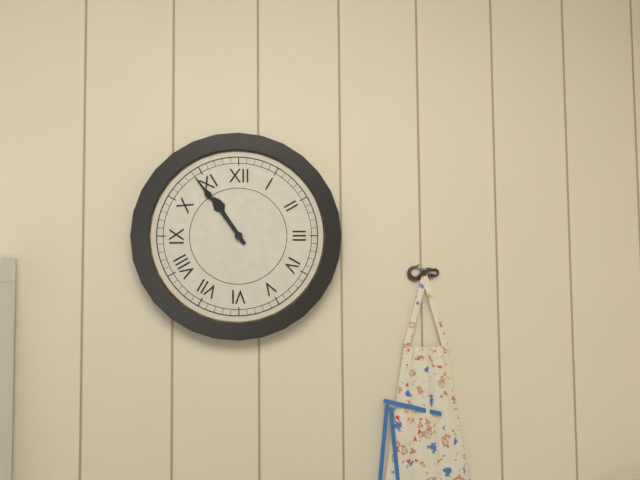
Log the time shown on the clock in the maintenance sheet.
10:54
